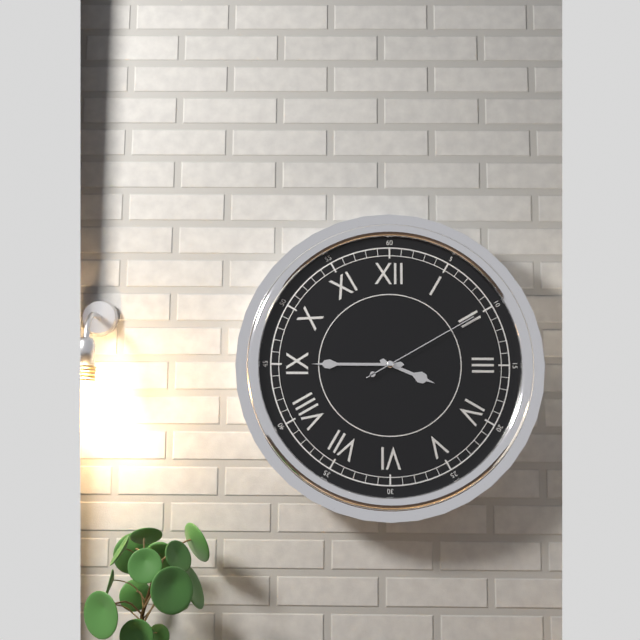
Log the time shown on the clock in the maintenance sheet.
3:45:10
